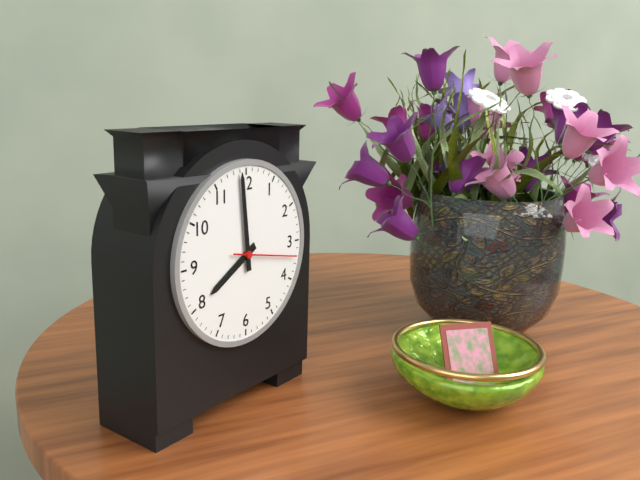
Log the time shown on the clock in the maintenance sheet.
7:59:17
